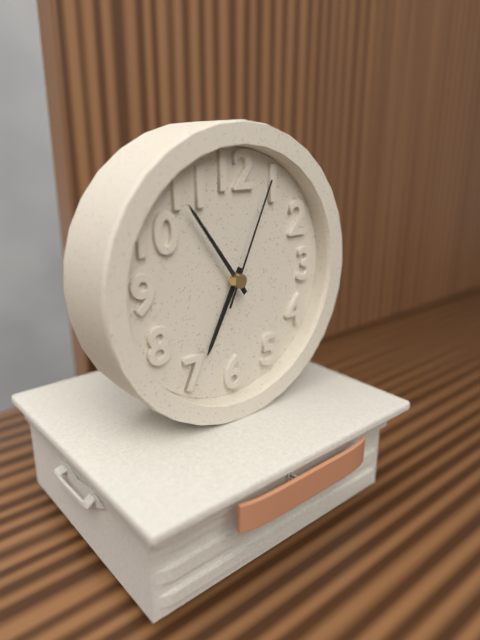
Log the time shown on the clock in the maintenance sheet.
6:54:04
